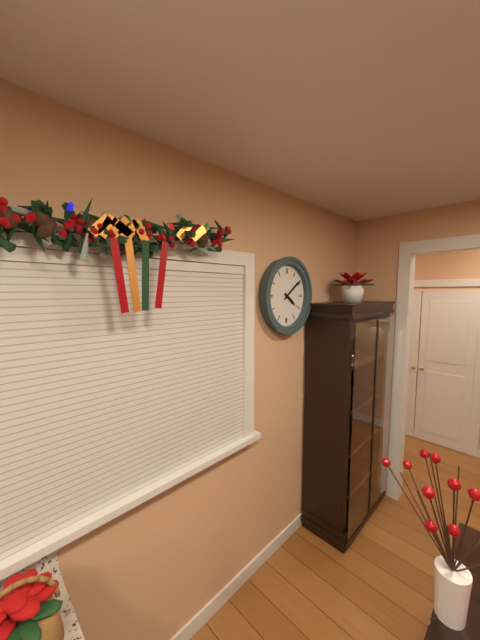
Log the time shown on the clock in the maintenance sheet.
4:09
